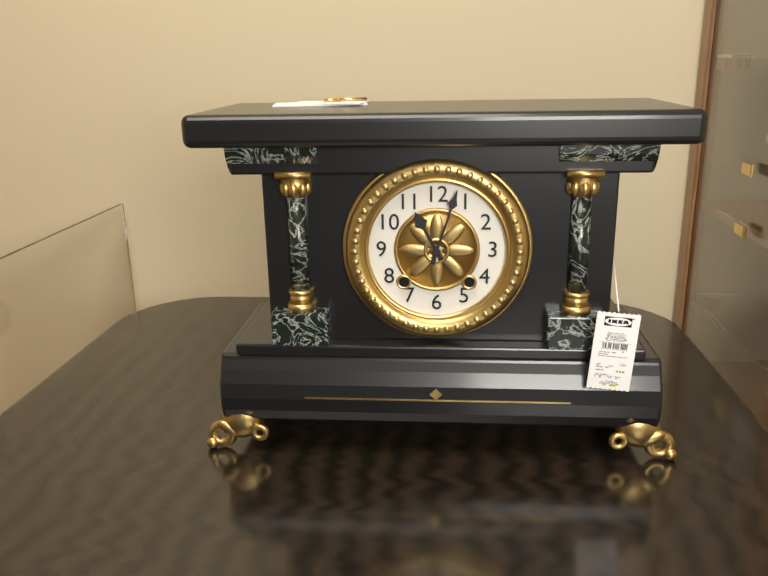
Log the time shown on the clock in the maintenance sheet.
11:03
